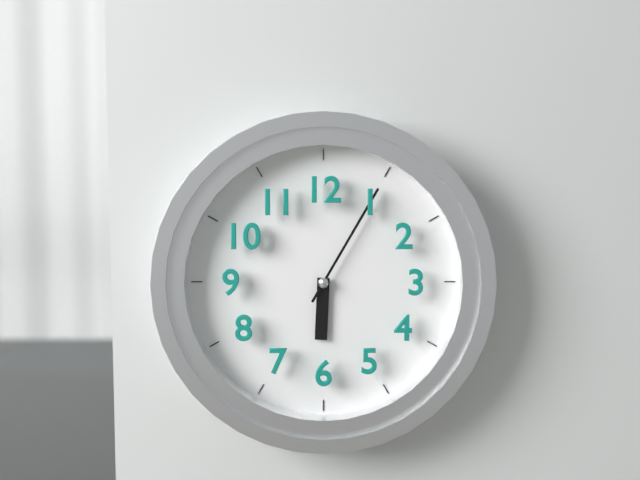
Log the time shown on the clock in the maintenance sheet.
6:05
